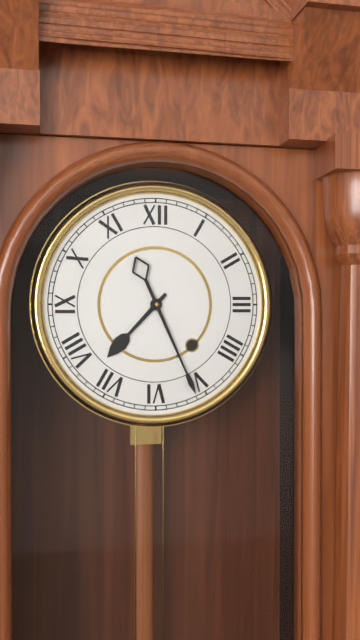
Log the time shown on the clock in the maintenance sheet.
7:26
